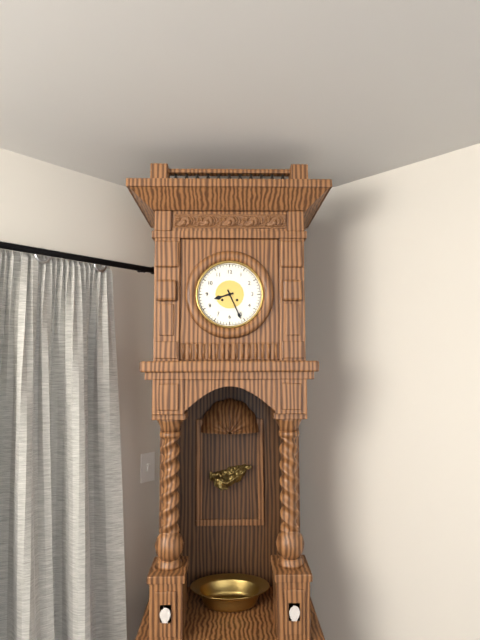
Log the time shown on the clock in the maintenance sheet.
8:26
